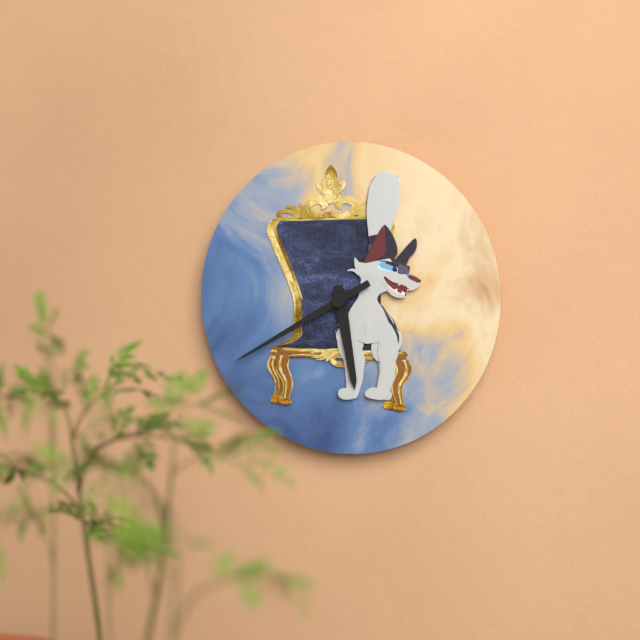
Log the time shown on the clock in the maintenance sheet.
5:40
